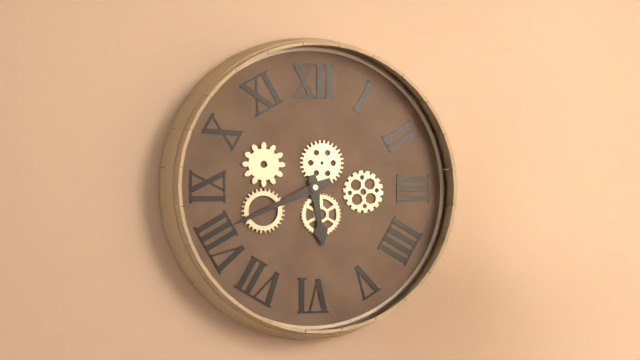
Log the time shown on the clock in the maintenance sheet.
5:41
